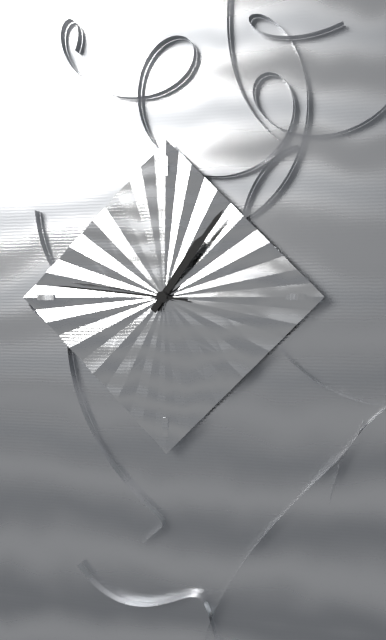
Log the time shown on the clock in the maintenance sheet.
1:06:46
